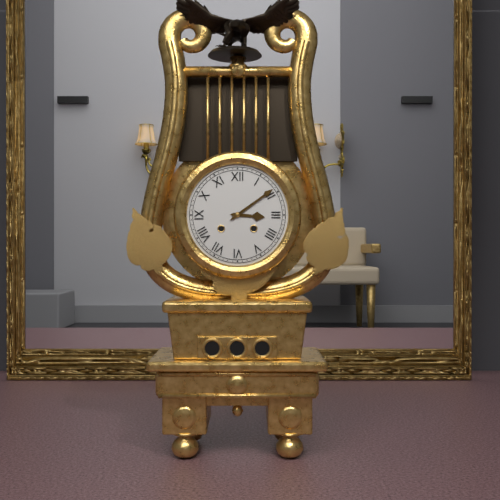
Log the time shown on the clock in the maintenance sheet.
3:09
